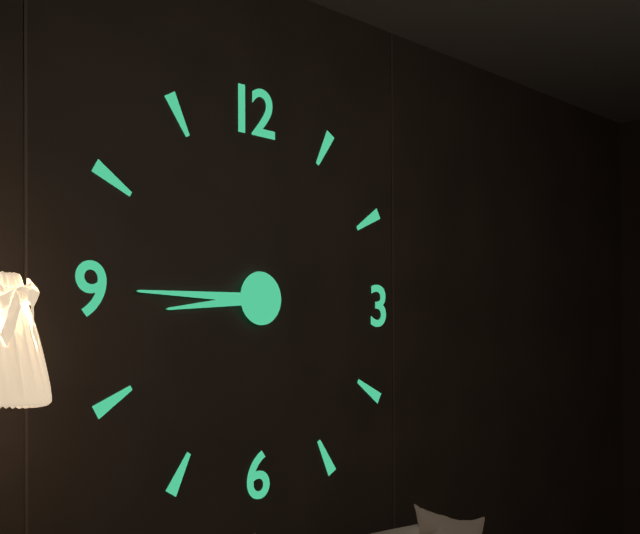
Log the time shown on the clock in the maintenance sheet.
8:45
